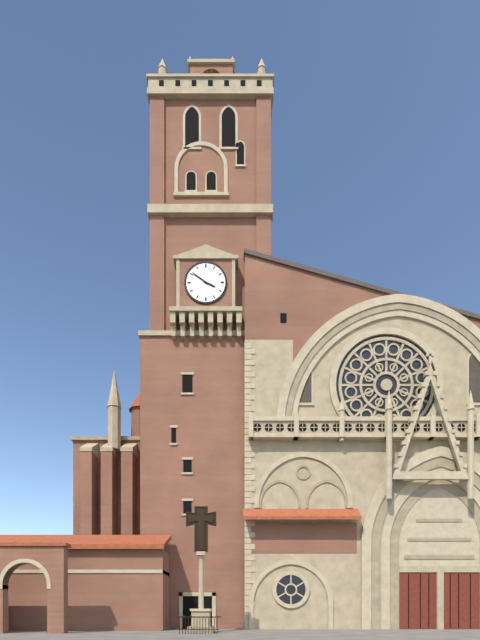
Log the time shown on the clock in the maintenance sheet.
3:51
